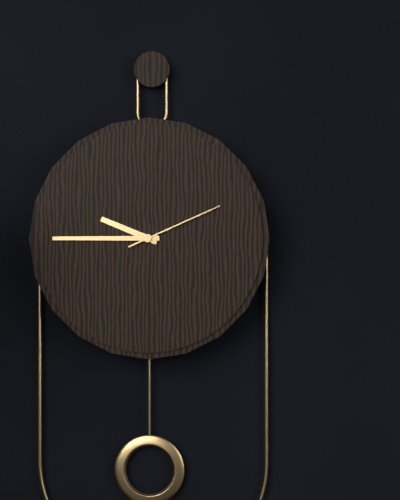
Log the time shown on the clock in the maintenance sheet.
9:45:11
